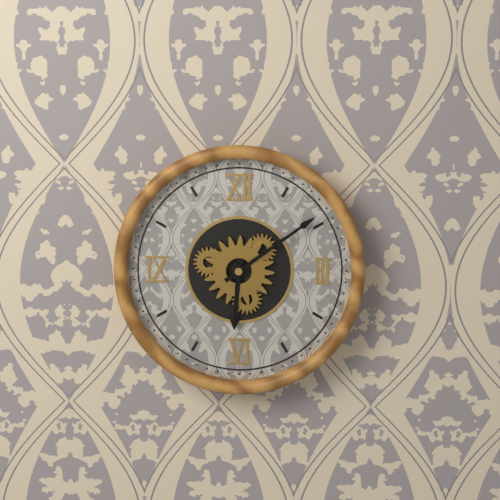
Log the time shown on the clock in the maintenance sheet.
6:09
